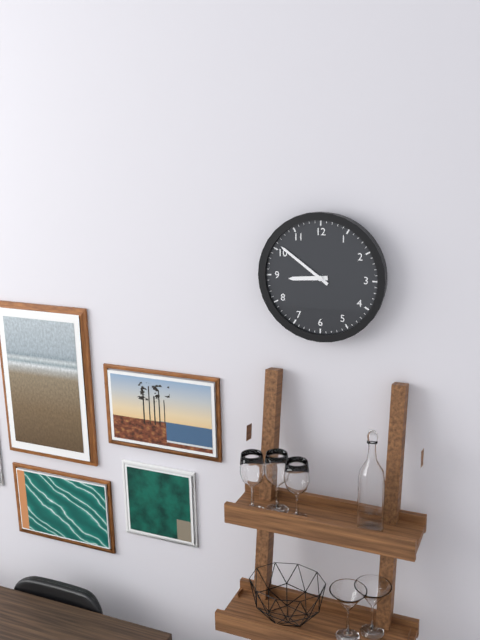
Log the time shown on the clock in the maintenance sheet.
8:51
